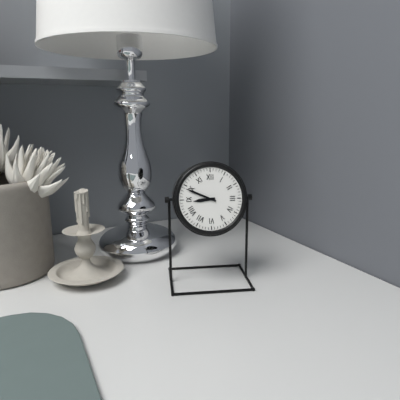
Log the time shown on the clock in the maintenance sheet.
8:49
